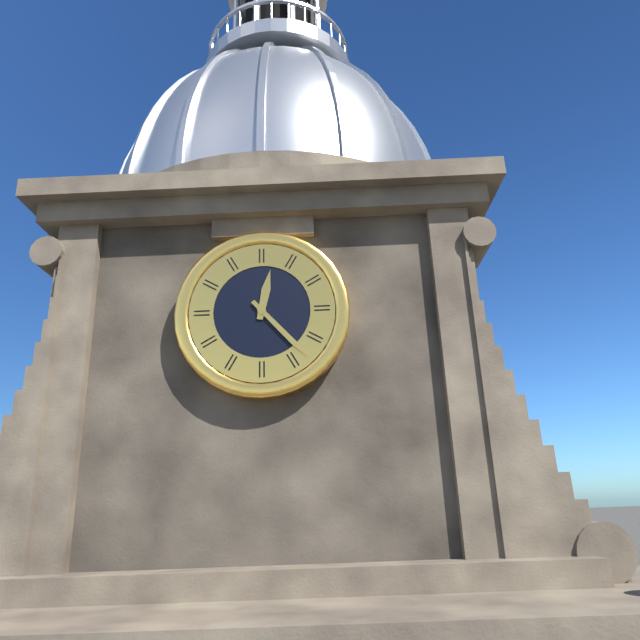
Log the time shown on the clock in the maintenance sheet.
12:23
